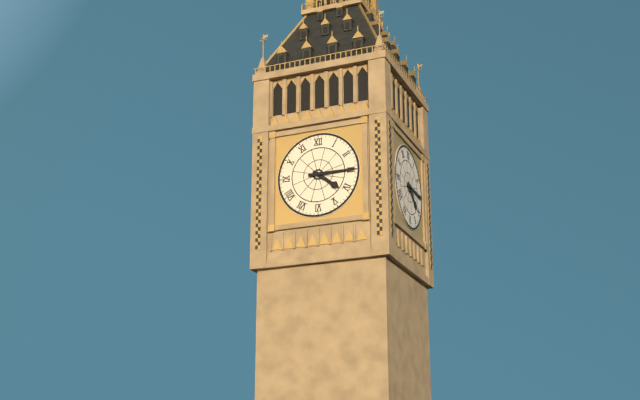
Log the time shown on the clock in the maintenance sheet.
4:15
